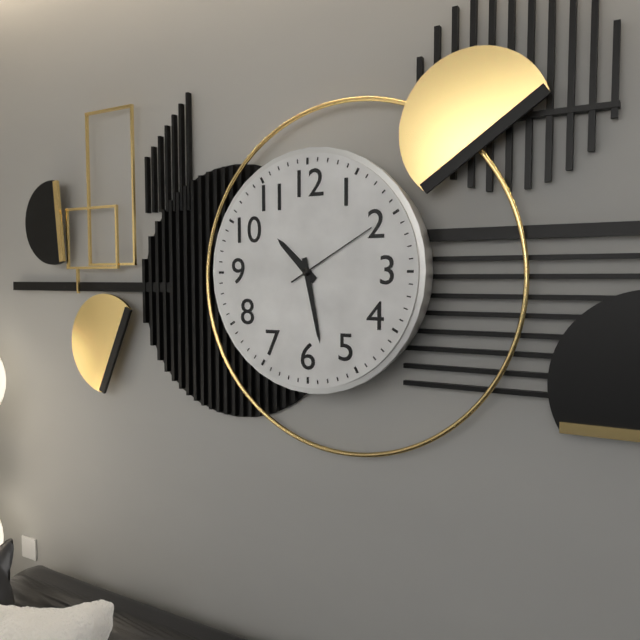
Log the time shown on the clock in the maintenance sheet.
10:28:10
